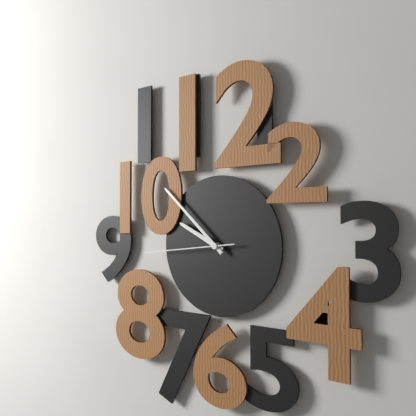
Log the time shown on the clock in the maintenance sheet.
9:52:44
